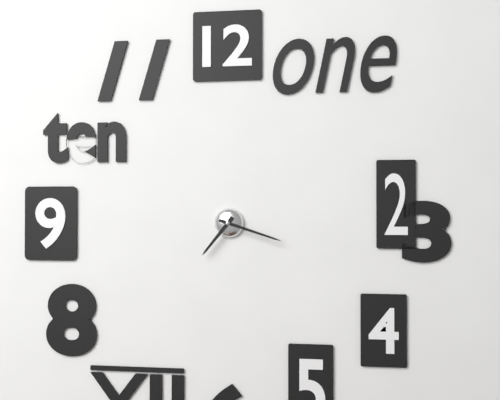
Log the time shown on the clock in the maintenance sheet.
7:18
